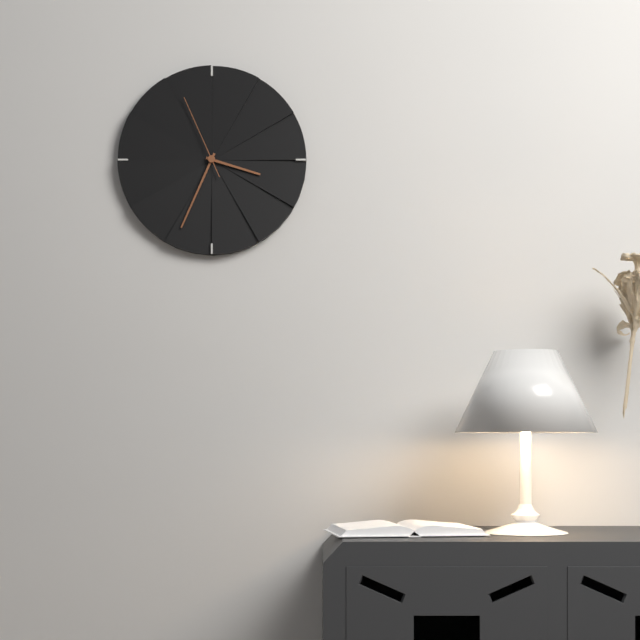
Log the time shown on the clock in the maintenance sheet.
3:34:56
